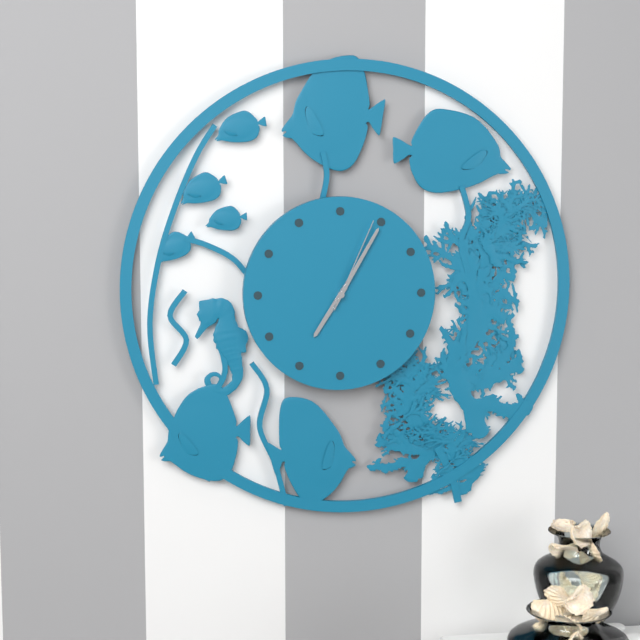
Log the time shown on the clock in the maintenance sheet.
7:05:04
